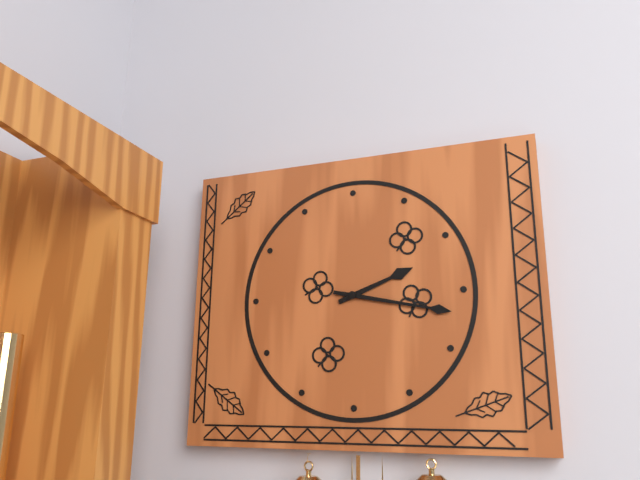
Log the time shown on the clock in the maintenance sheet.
2:17
